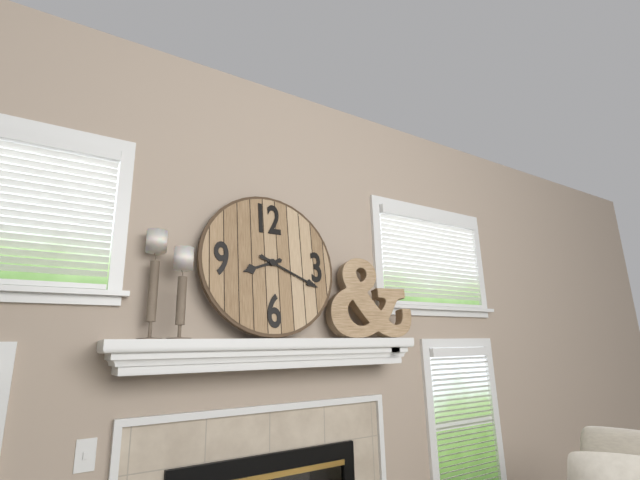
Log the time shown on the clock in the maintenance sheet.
8:19
